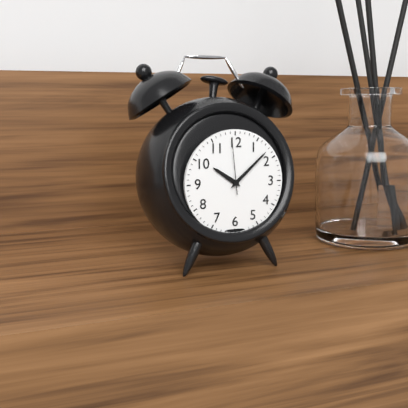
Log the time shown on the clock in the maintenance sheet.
10:08:59
